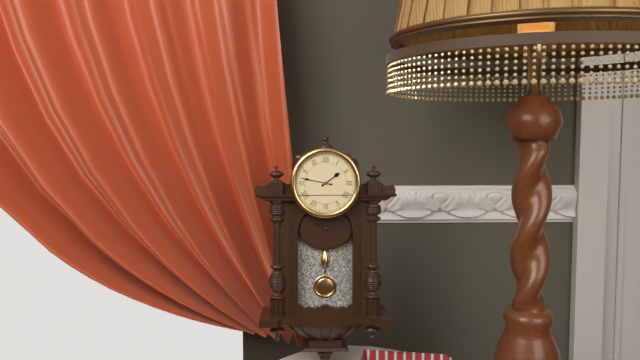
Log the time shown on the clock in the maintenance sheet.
1:47
